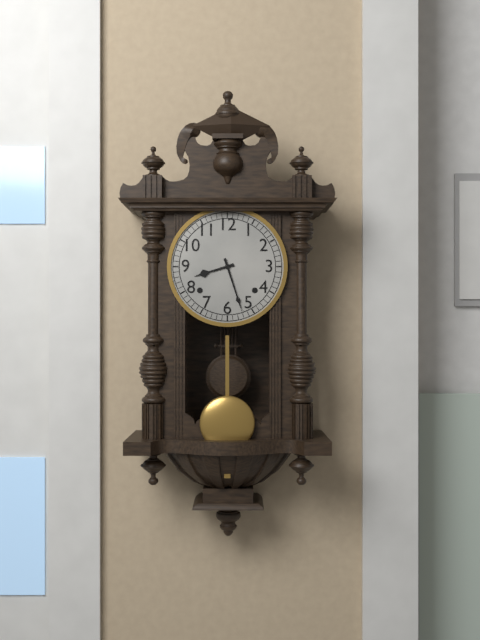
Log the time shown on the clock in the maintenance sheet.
8:27
